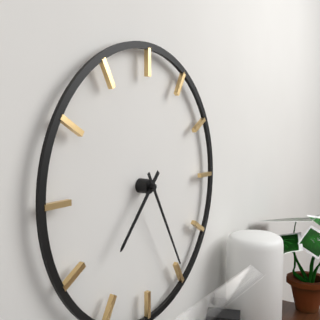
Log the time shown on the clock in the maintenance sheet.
7:25
